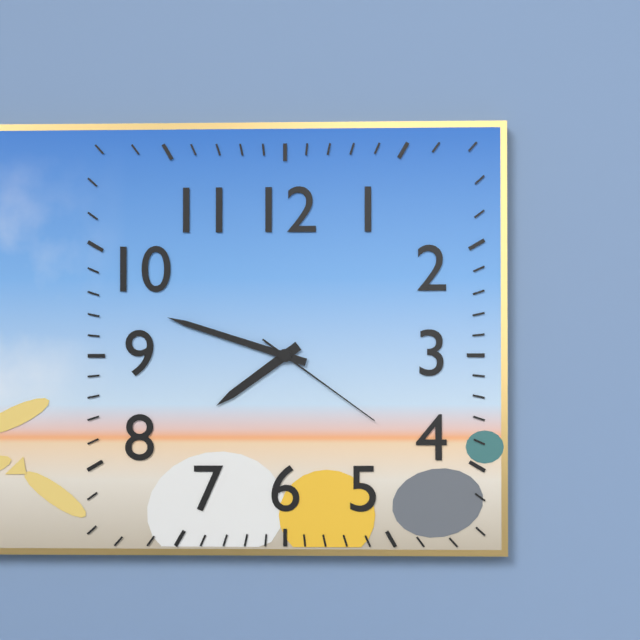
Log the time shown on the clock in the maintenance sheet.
7:48:21
